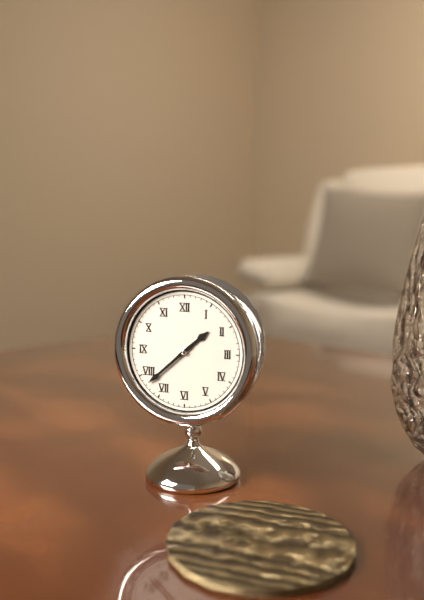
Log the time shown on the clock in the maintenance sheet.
1:38
